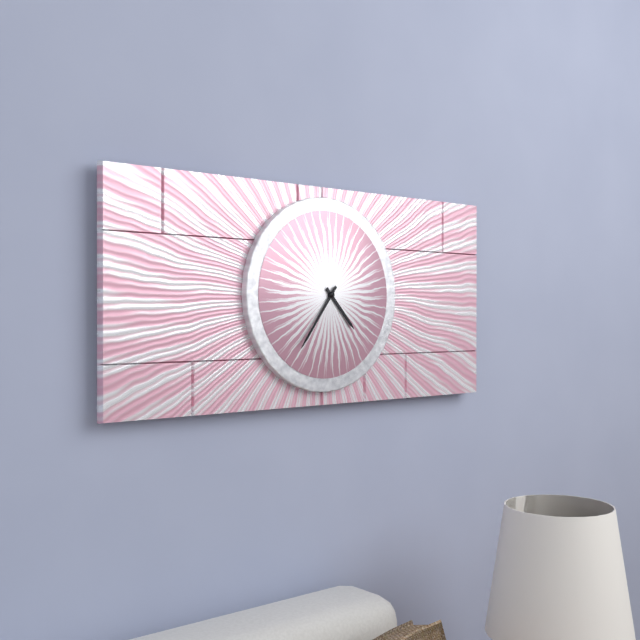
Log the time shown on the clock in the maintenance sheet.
4:36
